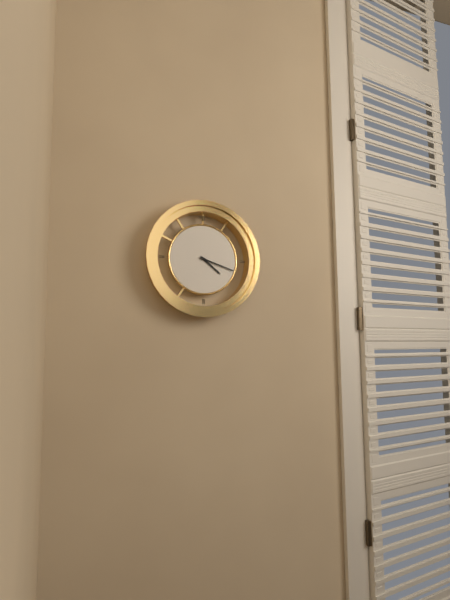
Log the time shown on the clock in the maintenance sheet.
4:18
